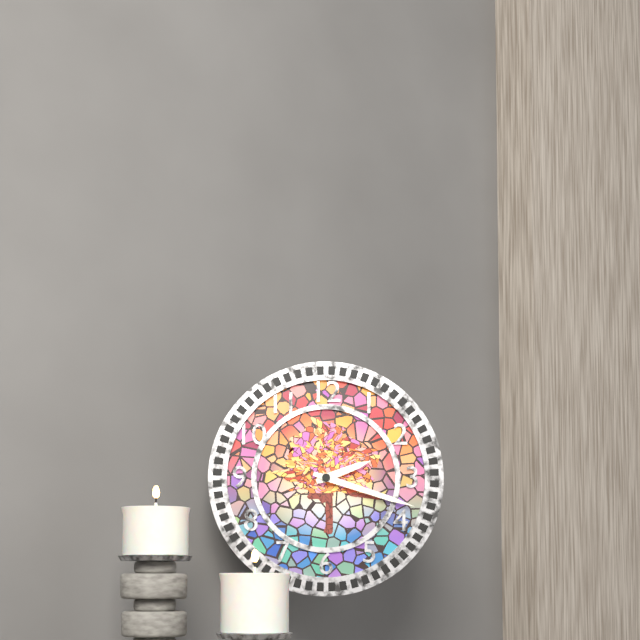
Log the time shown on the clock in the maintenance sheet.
2:18
